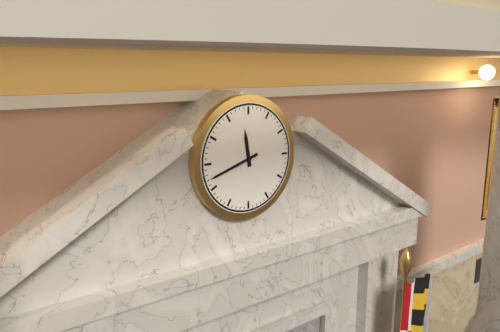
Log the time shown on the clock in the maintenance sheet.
11:42
